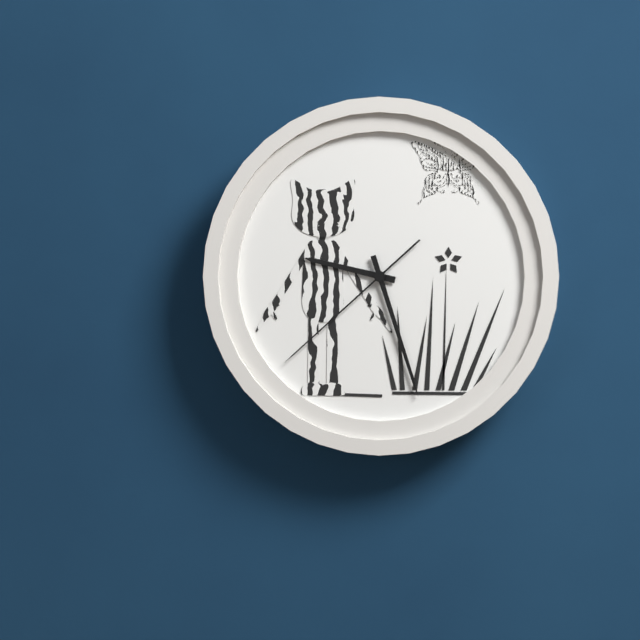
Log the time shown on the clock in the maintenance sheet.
9:27:38
